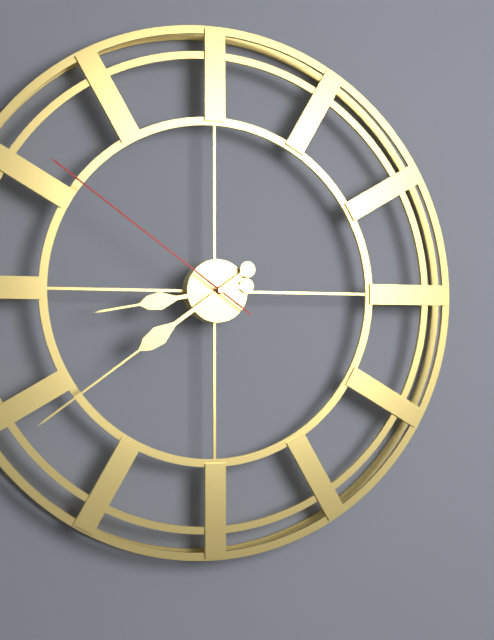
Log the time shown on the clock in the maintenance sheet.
8:39:51
